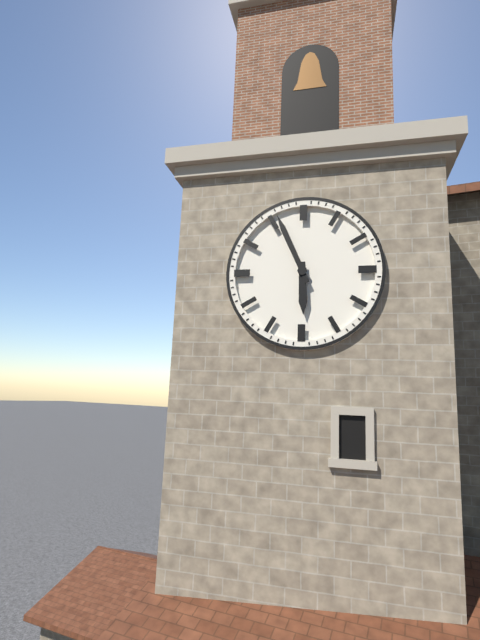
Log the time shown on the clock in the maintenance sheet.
5:56
